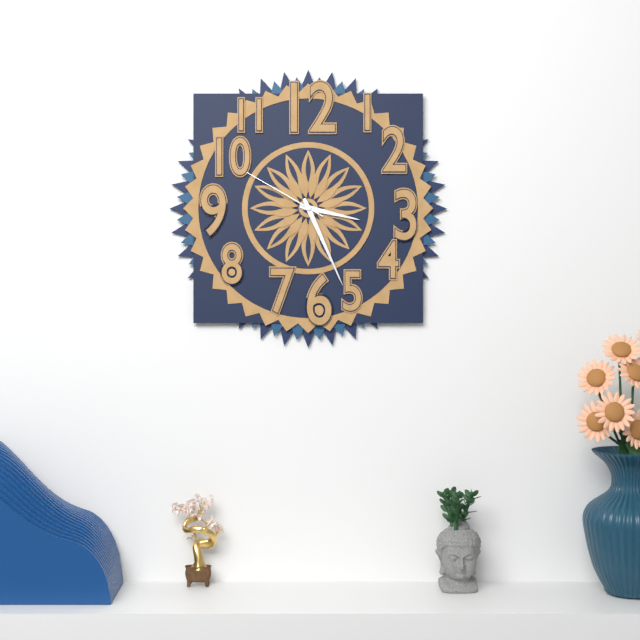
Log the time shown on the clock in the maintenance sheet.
3:26:50
